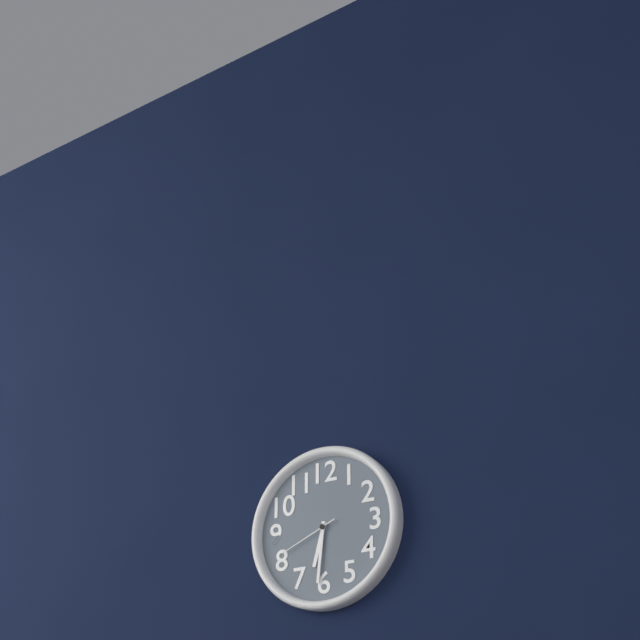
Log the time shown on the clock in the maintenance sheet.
6:31:41
